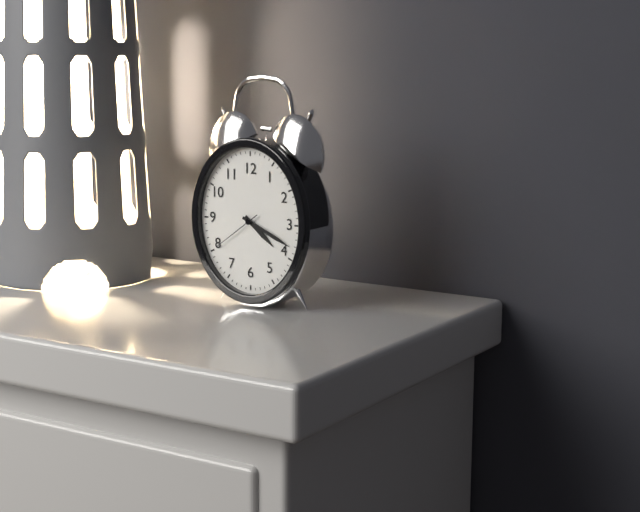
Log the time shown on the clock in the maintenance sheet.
4:19:39
